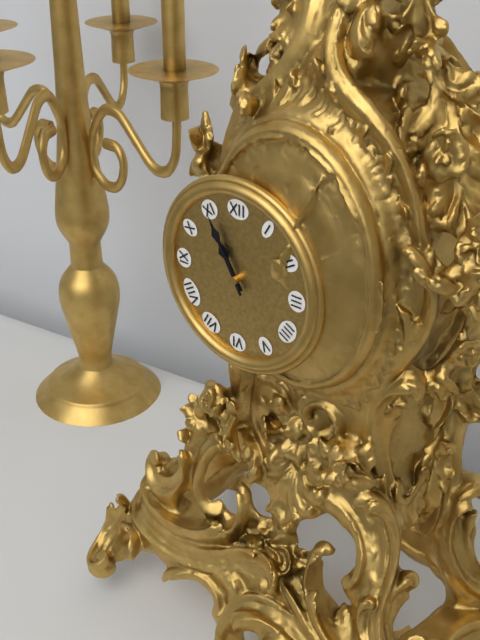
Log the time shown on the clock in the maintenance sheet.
10:55
